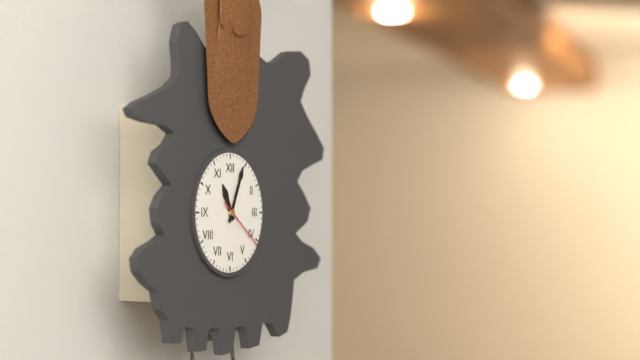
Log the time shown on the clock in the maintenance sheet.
11:04:21
